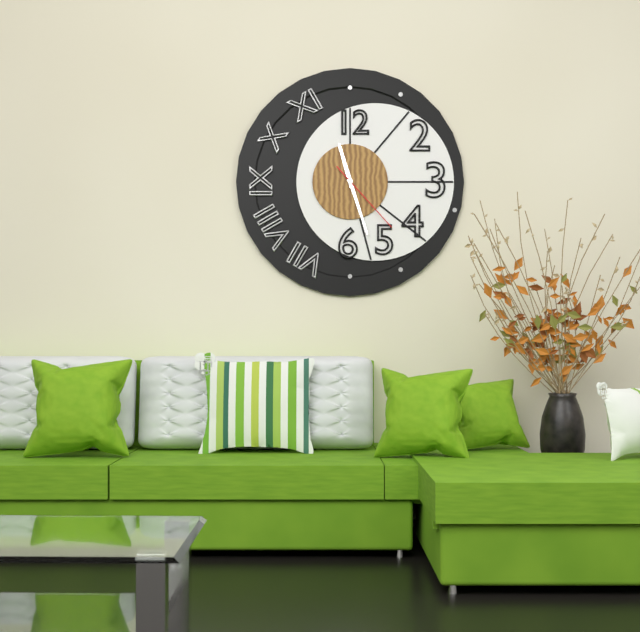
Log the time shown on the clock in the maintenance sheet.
11:27:23
